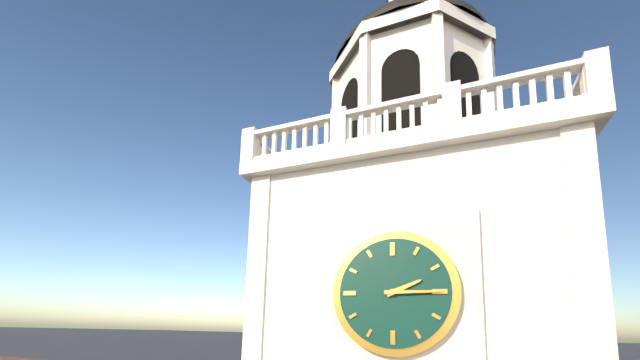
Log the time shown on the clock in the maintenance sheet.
2:15
